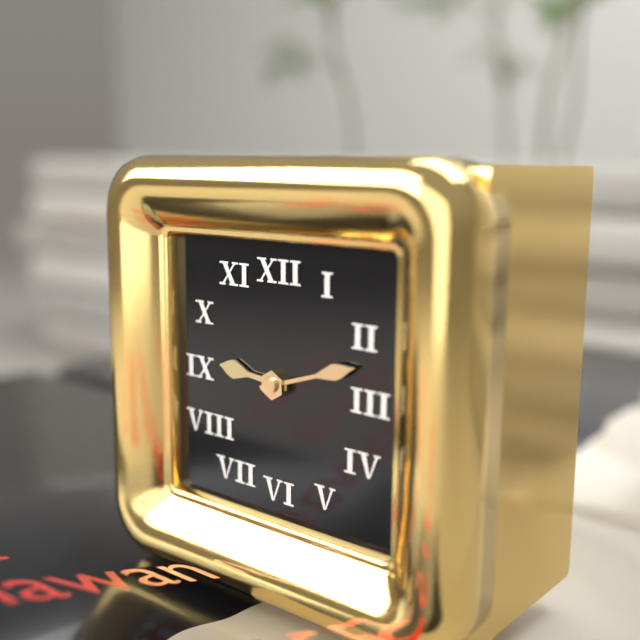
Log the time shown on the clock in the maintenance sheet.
9:12
